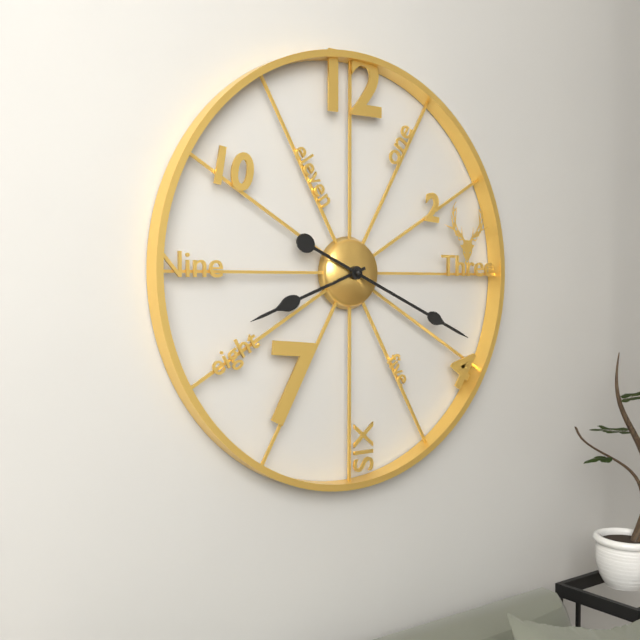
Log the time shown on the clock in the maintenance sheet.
8:19
